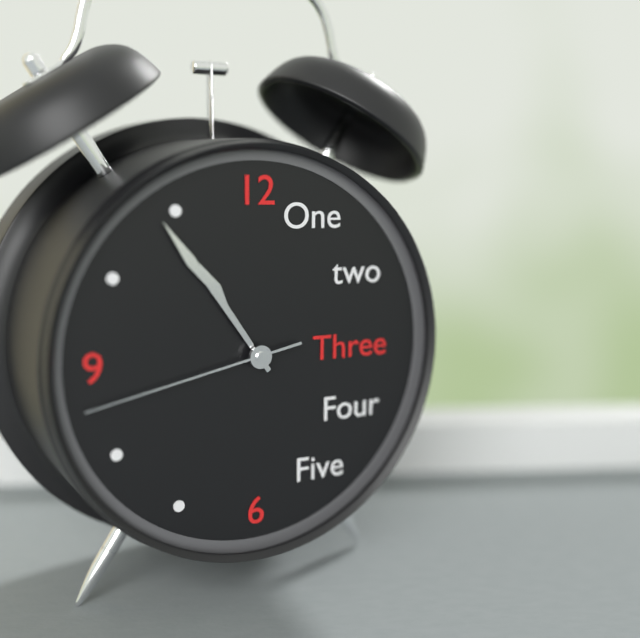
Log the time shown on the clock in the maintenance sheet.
10:54:43
